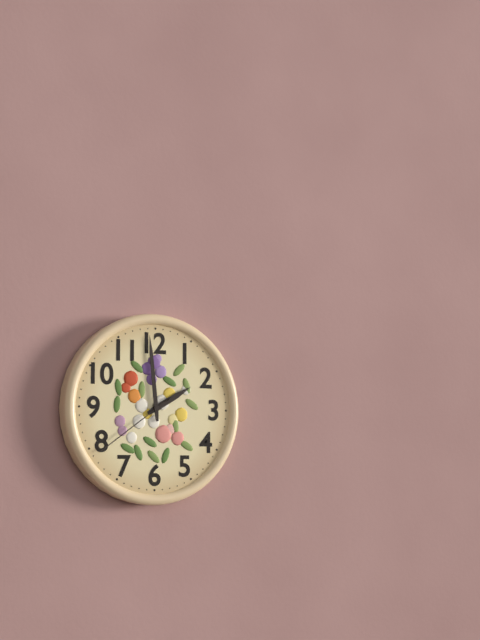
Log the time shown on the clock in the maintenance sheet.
1:59:39
